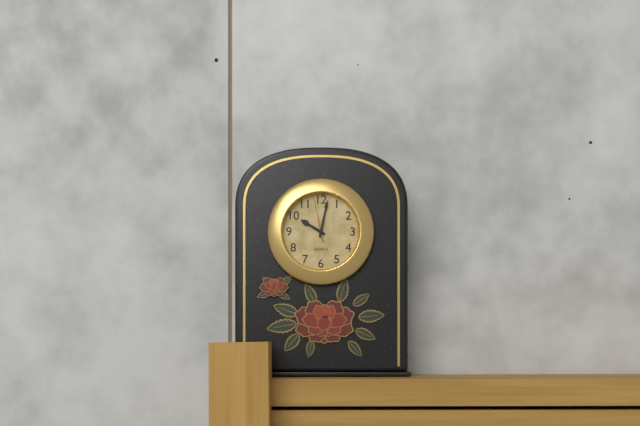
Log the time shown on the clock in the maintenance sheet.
10:02
